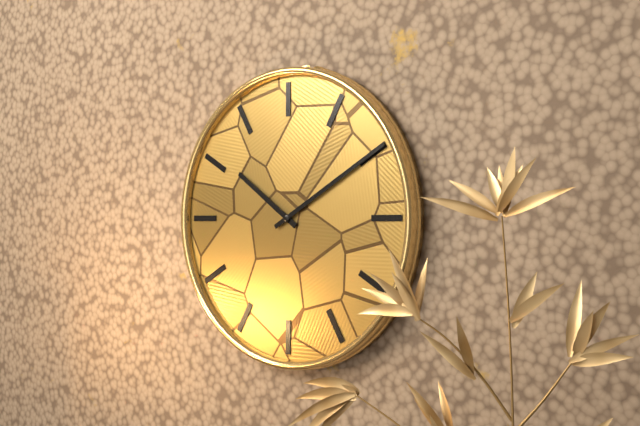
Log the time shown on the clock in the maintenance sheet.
10:10
